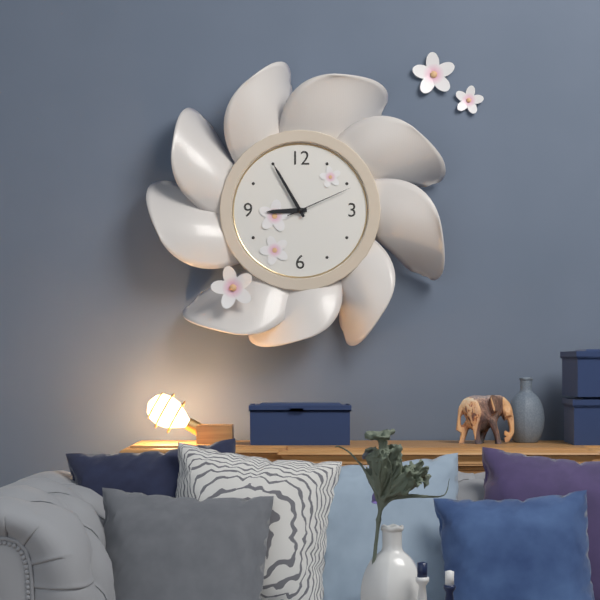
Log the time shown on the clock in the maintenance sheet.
8:55:11
